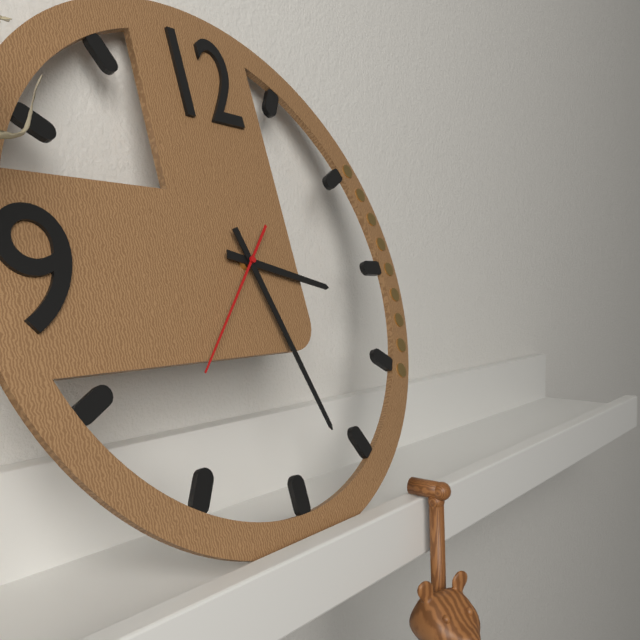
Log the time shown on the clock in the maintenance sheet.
3:27:37
